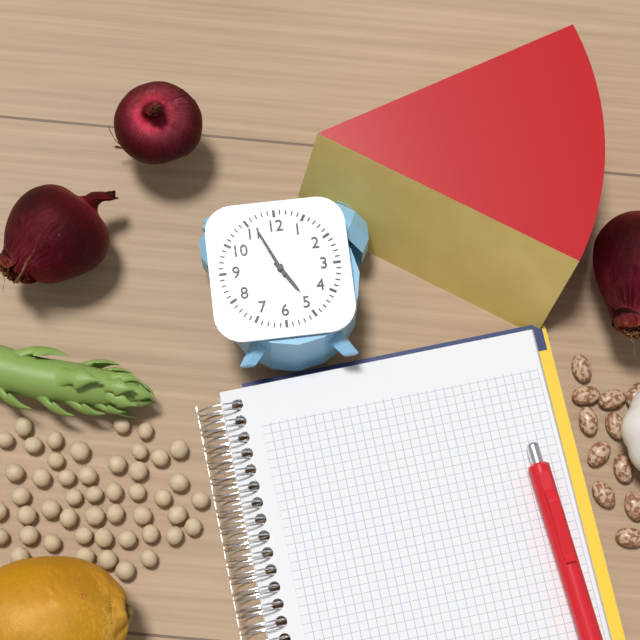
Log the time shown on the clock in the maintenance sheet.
4:56
